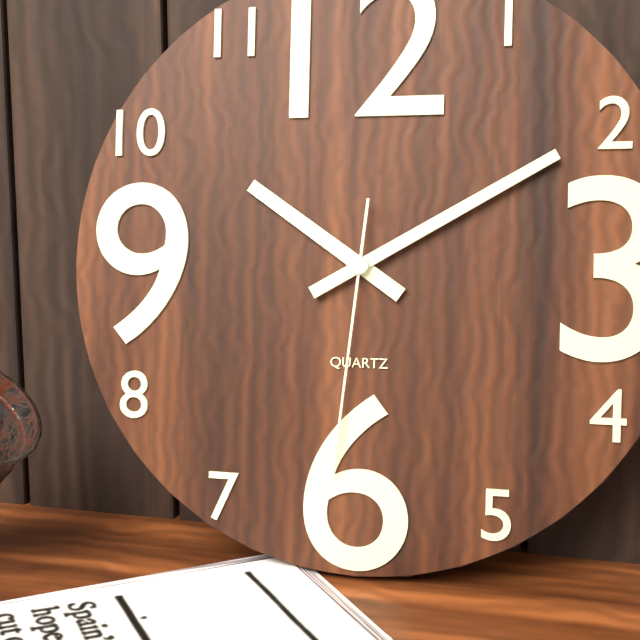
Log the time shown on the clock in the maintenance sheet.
10:10:31
